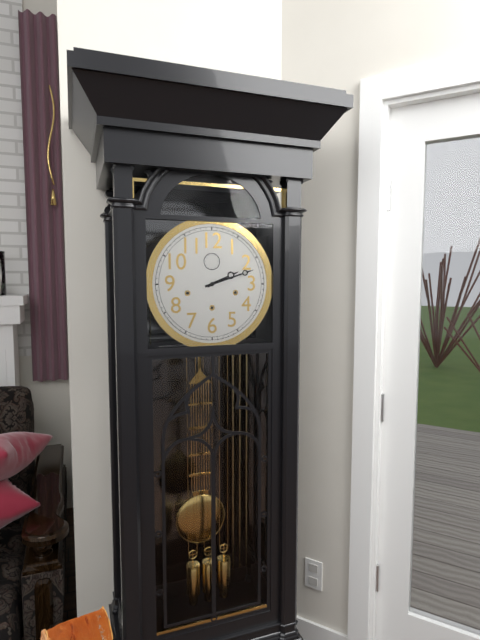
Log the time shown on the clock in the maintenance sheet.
2:12
